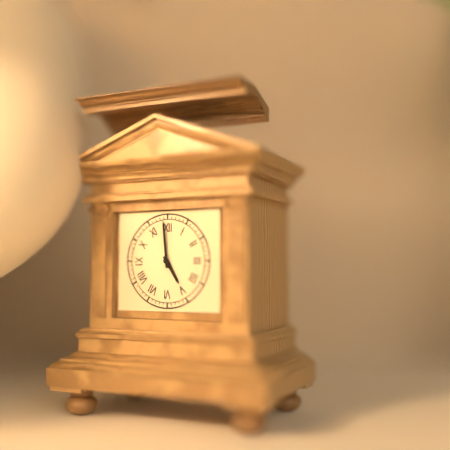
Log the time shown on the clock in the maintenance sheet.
4:59
